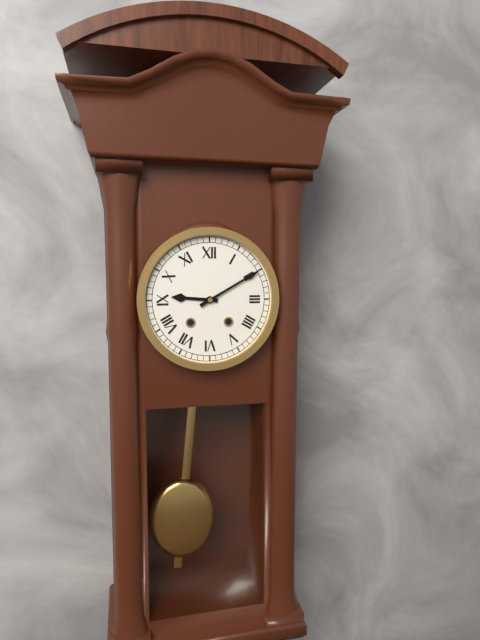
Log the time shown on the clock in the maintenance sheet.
9:10
